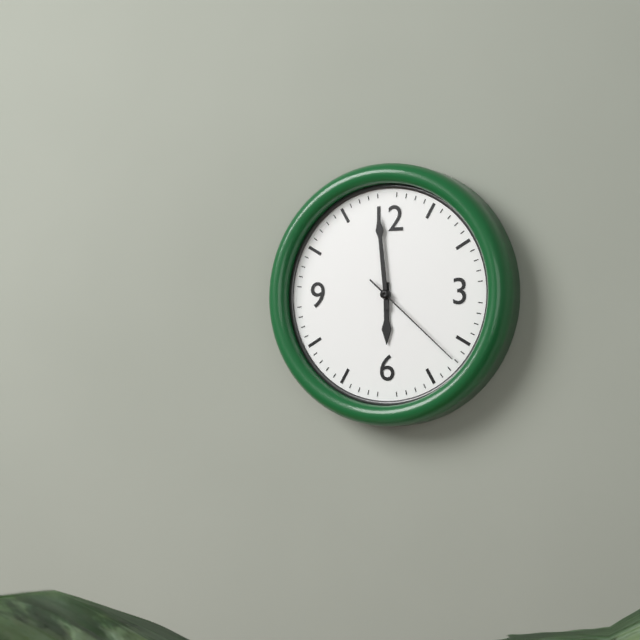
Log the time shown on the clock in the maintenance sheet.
5:59:22
